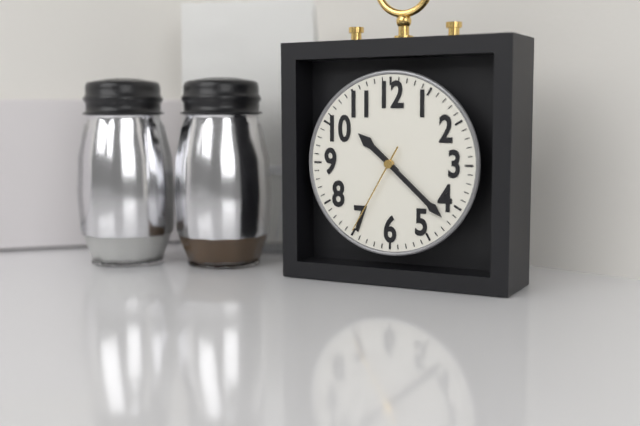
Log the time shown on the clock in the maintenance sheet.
10:22:35
